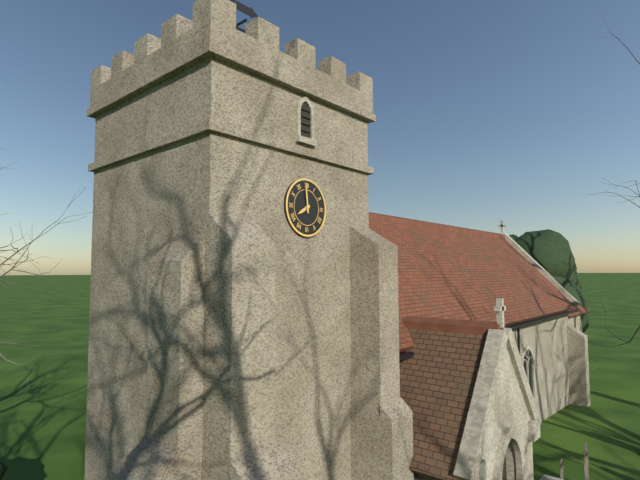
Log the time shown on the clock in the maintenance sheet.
7:59
